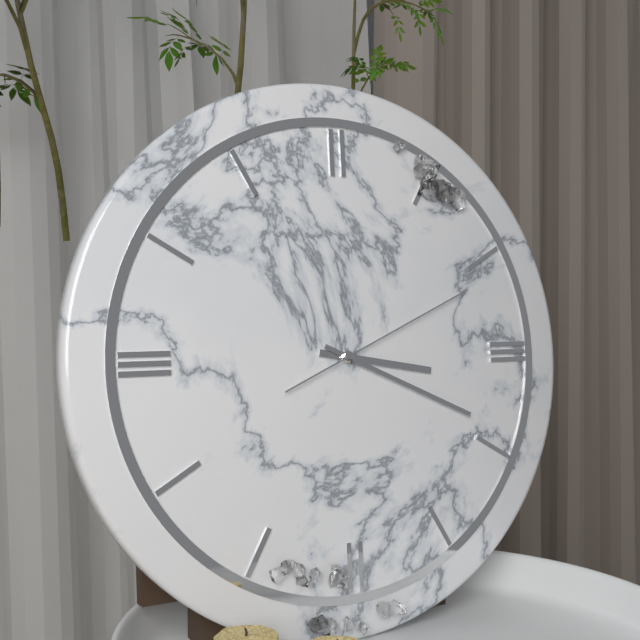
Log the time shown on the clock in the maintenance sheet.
3:19:11
